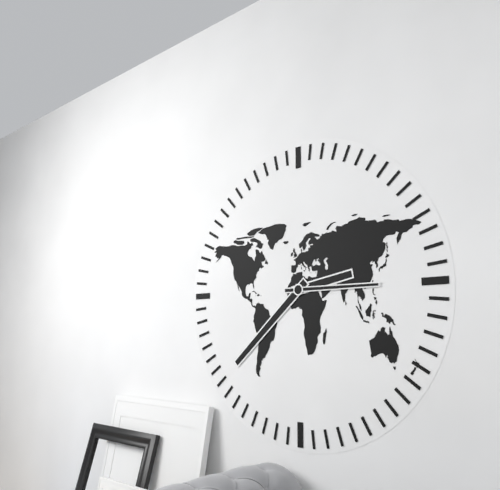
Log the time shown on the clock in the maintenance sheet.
2:38:15
